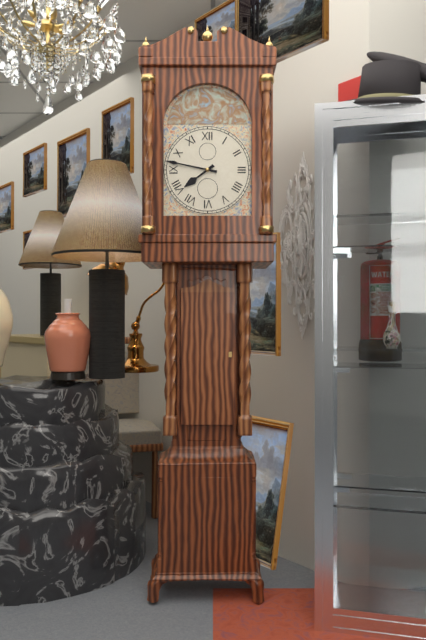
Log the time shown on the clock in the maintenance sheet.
7:47
